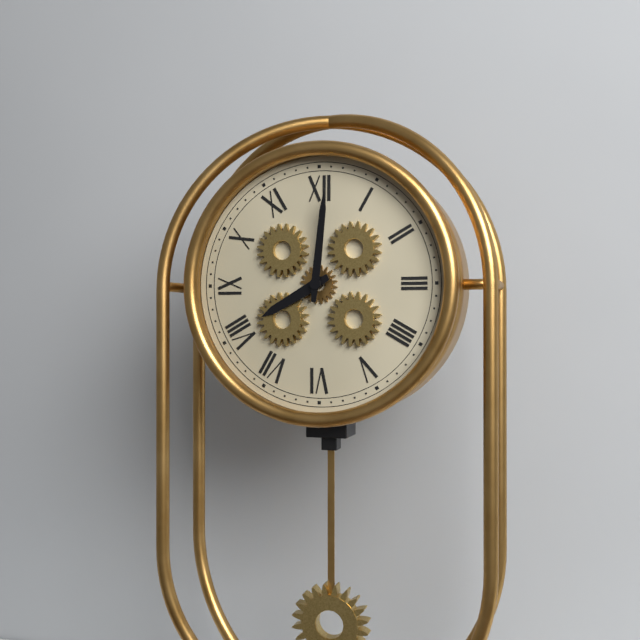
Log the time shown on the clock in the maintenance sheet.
8:01
